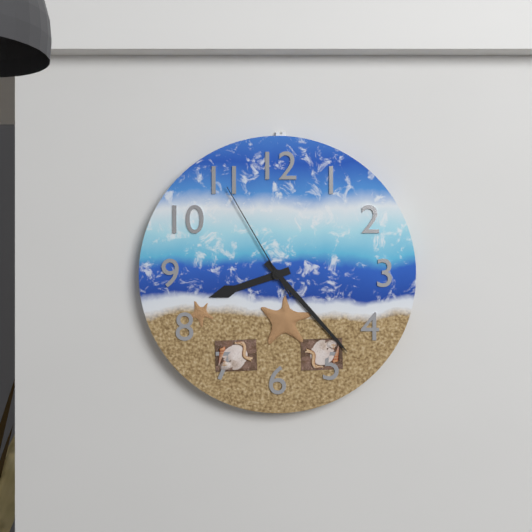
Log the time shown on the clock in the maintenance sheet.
8:23:55
